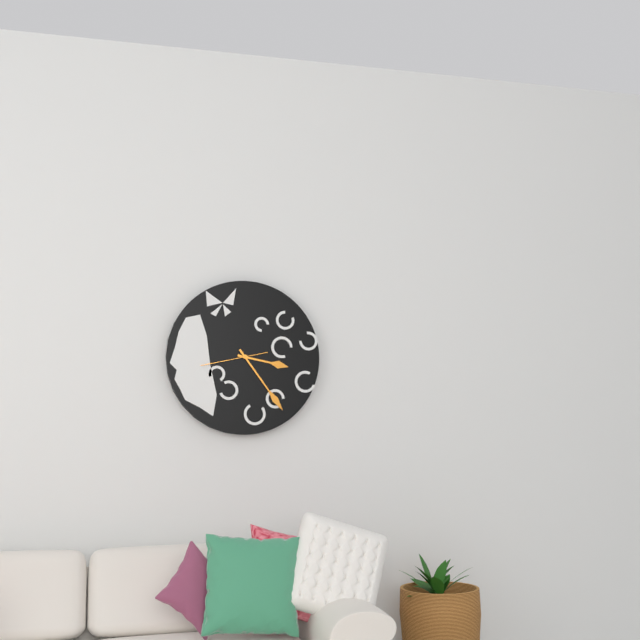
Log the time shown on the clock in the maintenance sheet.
3:24:43
